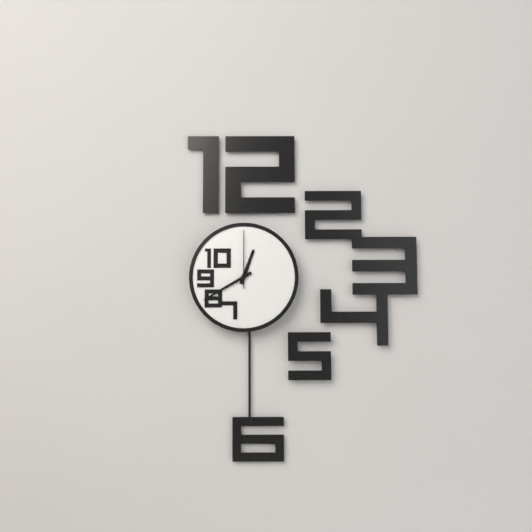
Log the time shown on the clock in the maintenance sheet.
12:40:00
